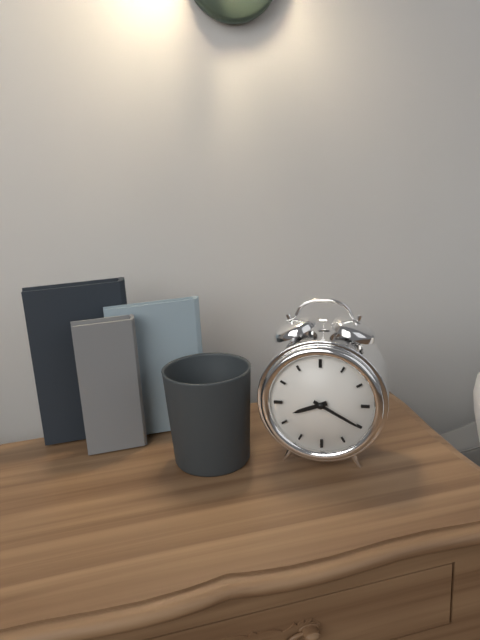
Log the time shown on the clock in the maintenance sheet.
8:20
